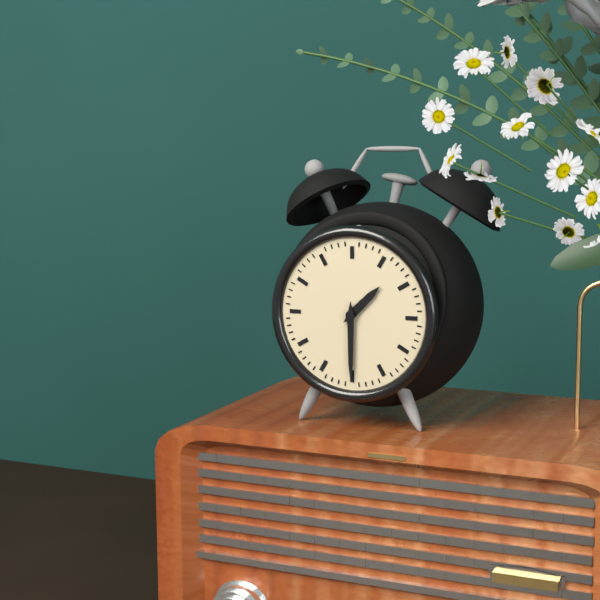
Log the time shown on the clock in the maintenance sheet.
1:30
